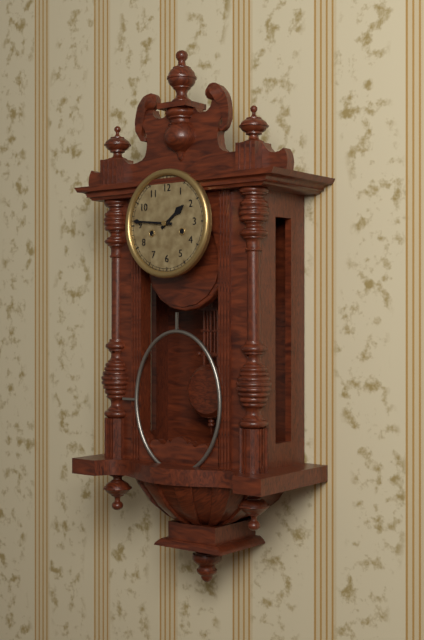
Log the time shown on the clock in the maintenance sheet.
1:46
